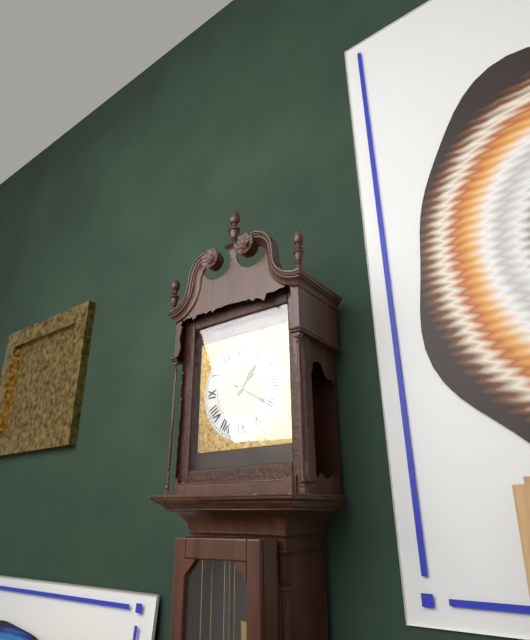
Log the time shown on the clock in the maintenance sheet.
1:20
